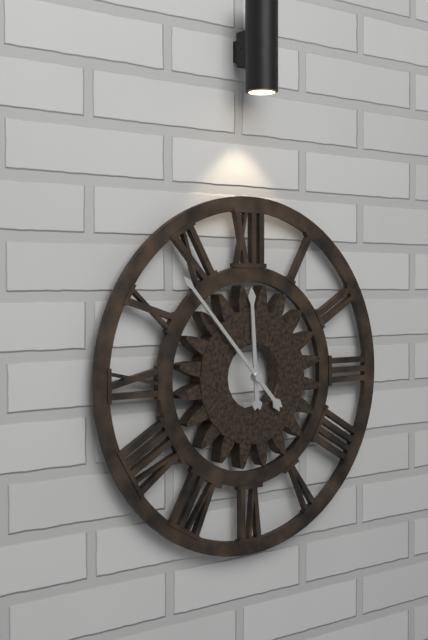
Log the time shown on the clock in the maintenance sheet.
11:53
